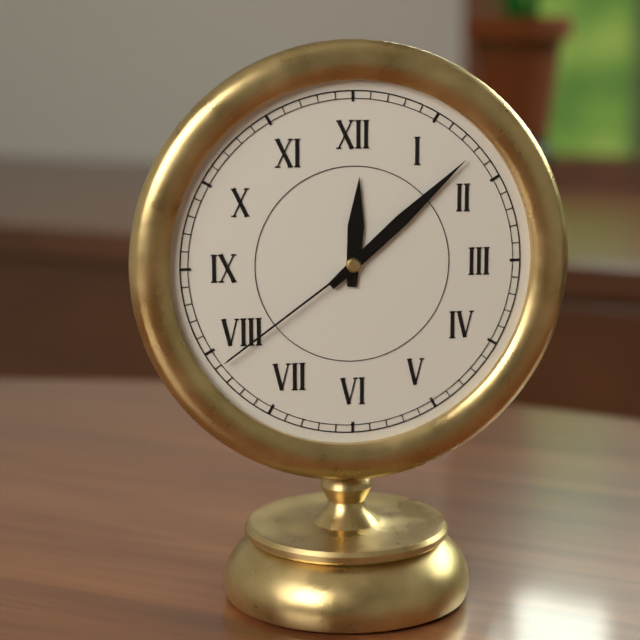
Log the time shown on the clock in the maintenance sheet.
12:08:39
